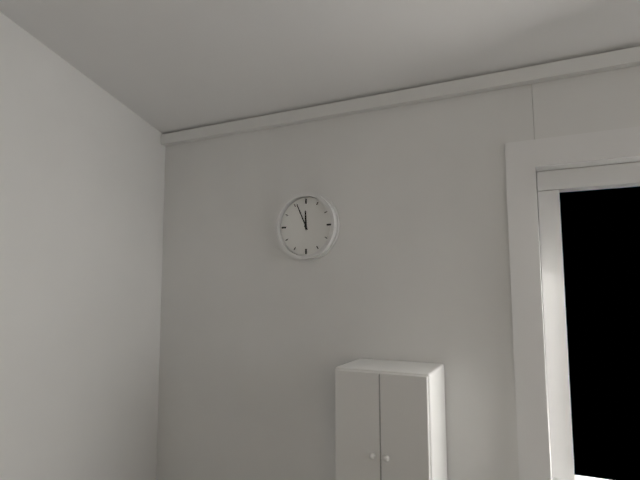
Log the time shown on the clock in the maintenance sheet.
11:56
